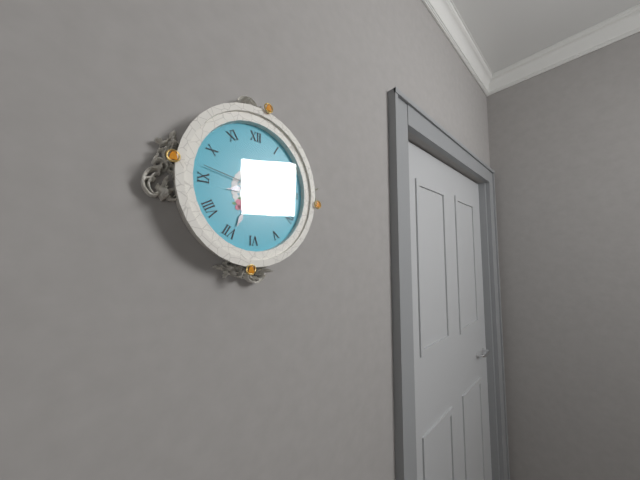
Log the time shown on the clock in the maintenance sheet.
8:34:47
